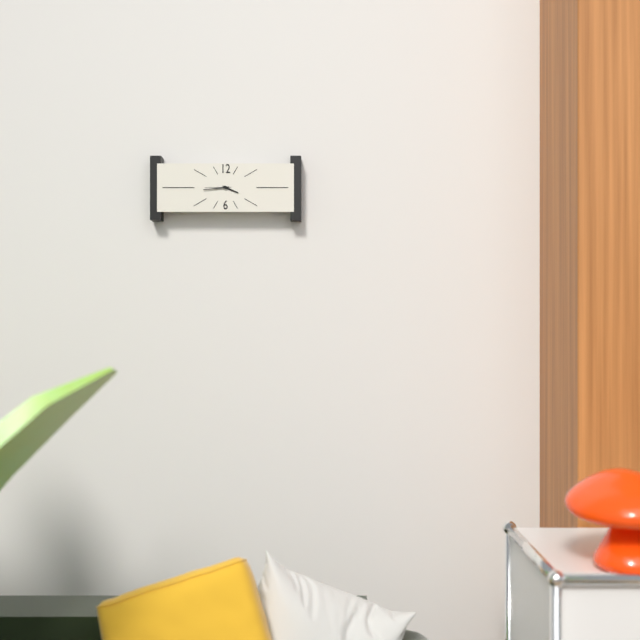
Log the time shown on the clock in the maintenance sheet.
3:44
